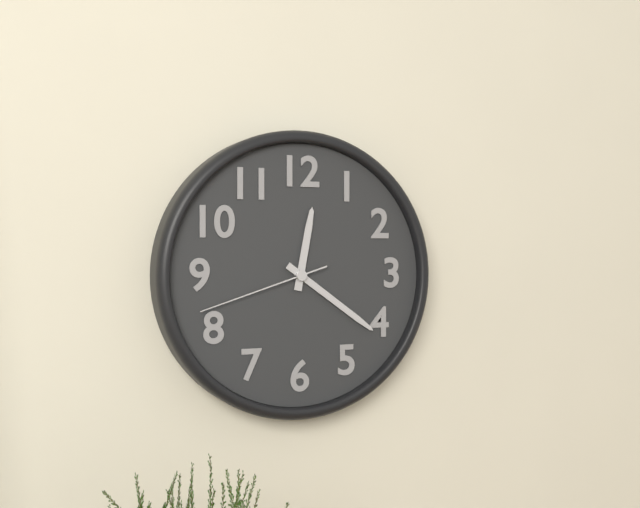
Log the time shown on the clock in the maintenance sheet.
12:21:42
